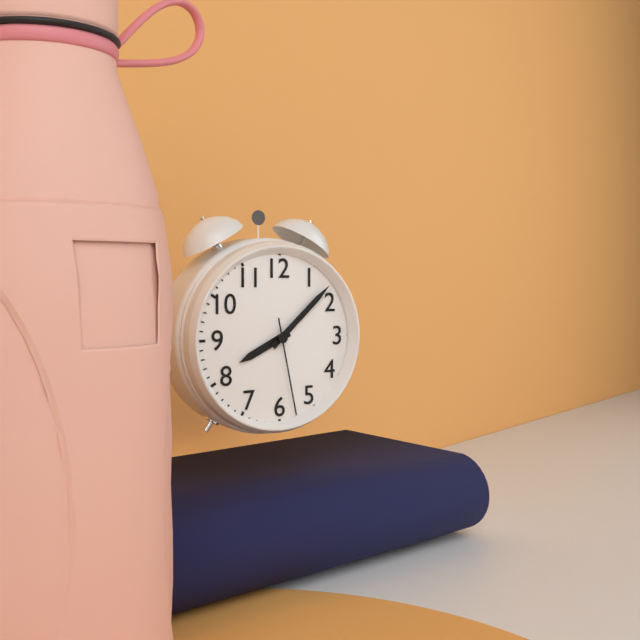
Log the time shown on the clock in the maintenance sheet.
8:08:28
